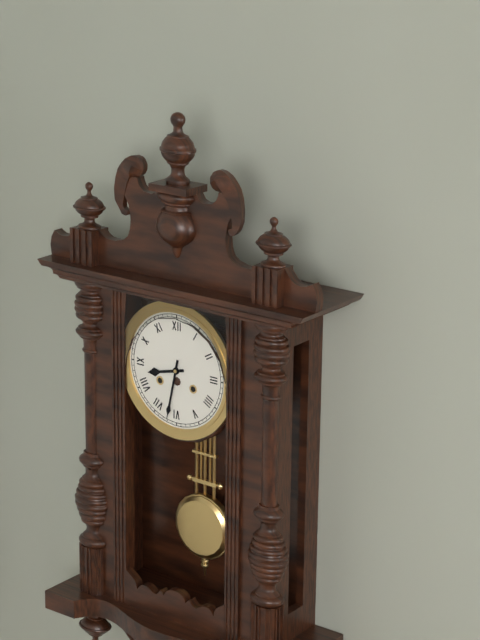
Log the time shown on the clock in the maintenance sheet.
8:32
